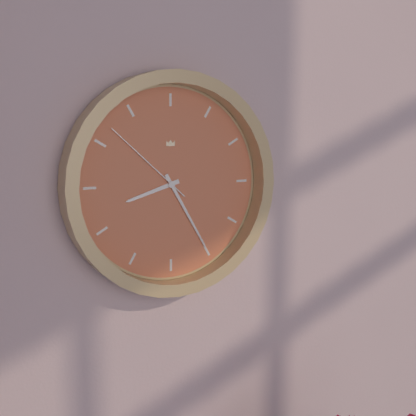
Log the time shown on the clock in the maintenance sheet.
8:25:52
